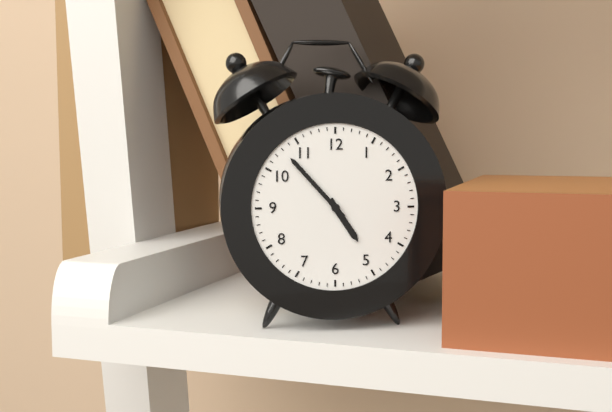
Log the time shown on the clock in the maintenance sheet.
4:53
